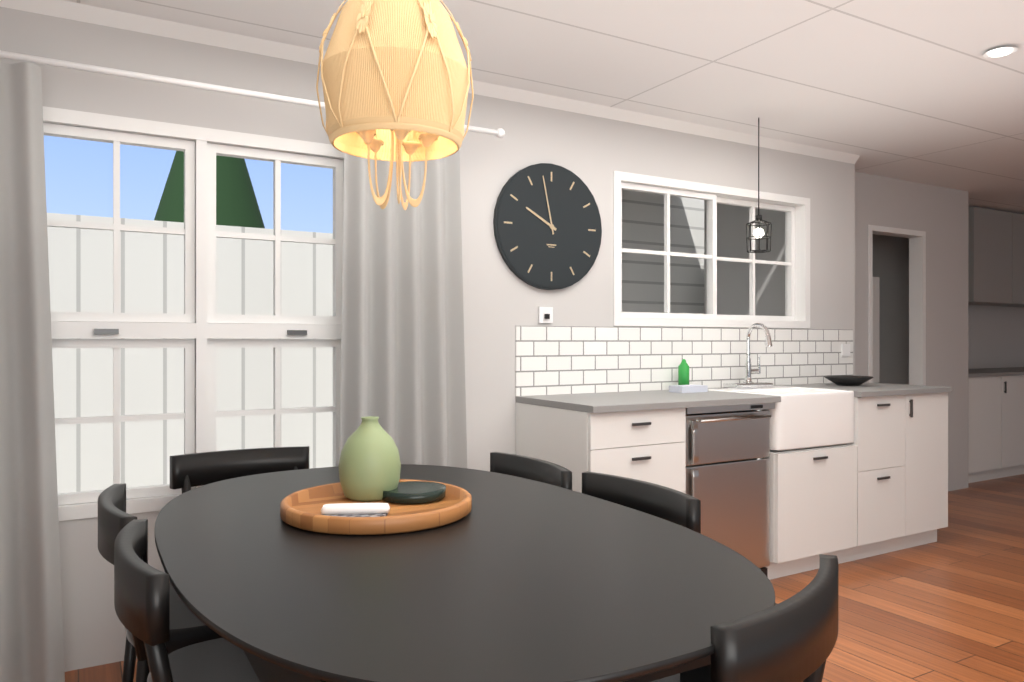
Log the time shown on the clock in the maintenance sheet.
9:58
